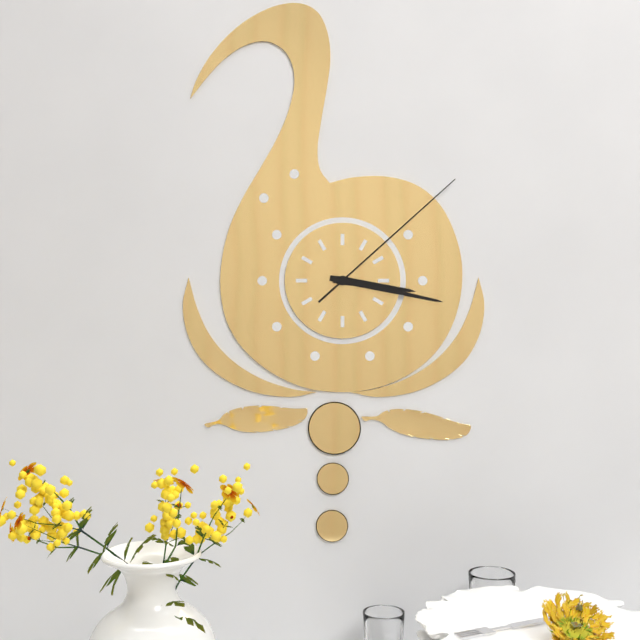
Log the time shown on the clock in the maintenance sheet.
3:17:08
